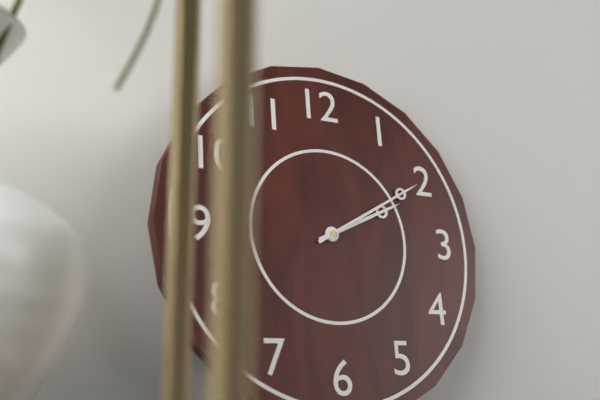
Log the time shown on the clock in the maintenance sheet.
2:10
